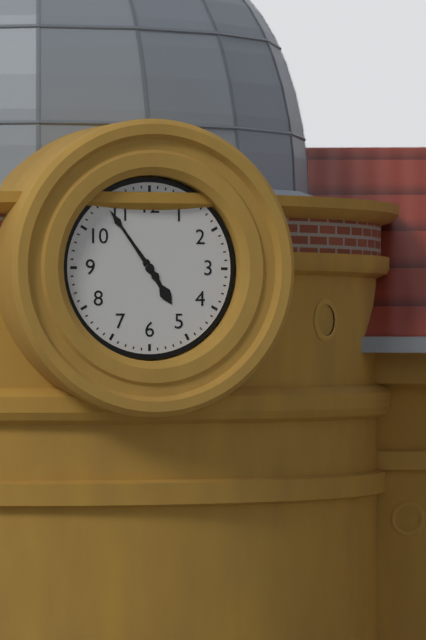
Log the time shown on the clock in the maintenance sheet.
4:54
